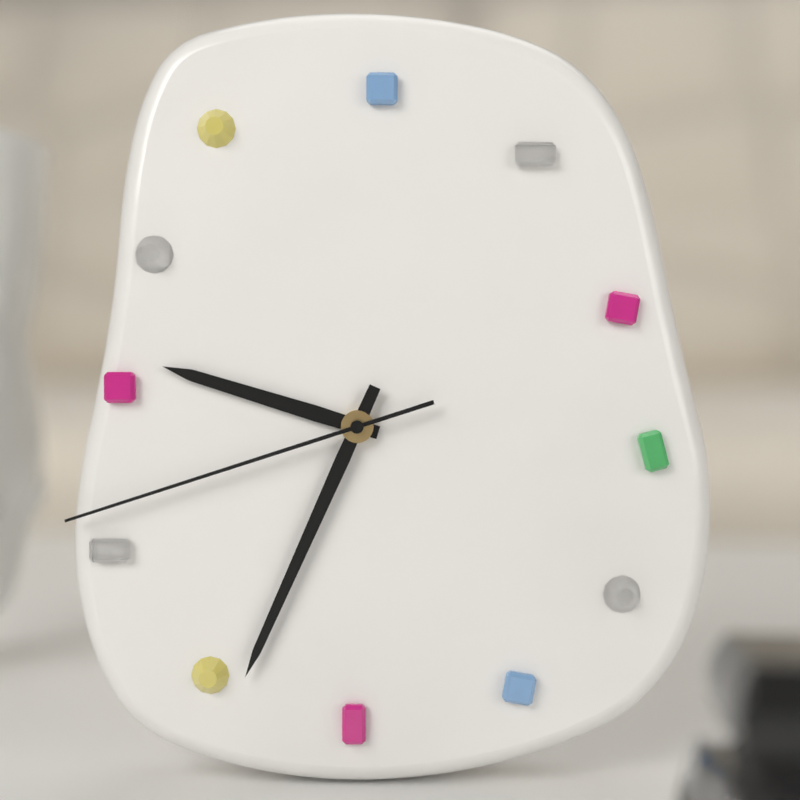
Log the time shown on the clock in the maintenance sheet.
9:34:42
